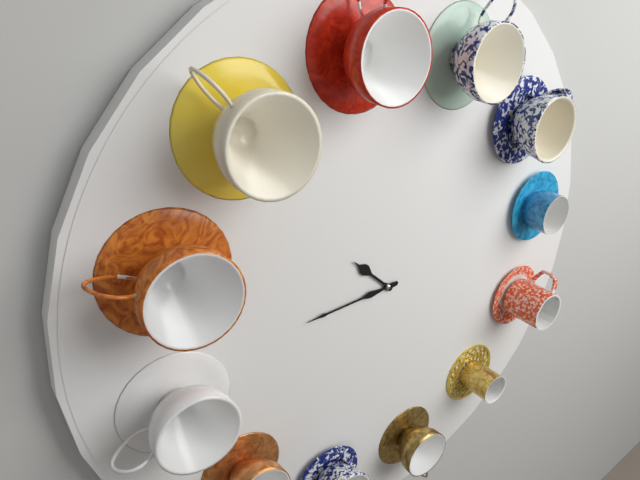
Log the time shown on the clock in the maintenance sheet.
10:46
